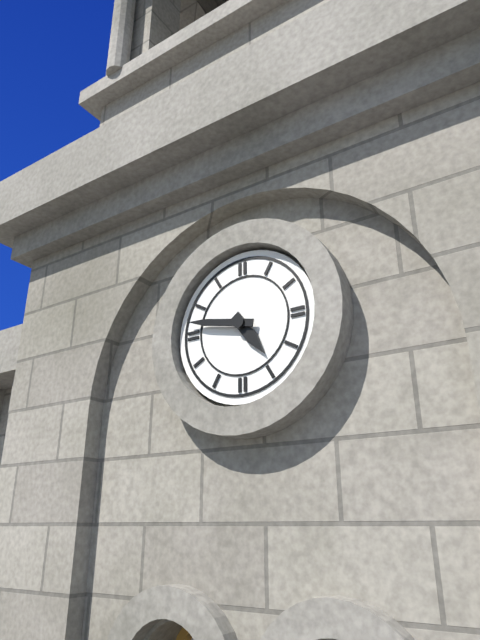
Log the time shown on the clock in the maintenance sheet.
4:47
